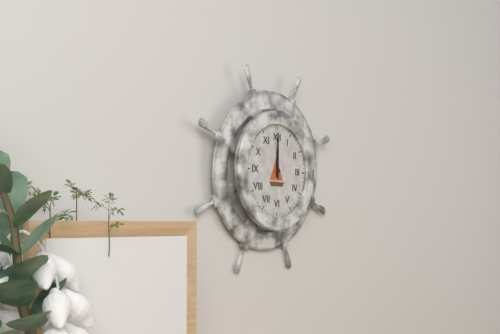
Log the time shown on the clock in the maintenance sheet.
12:00
